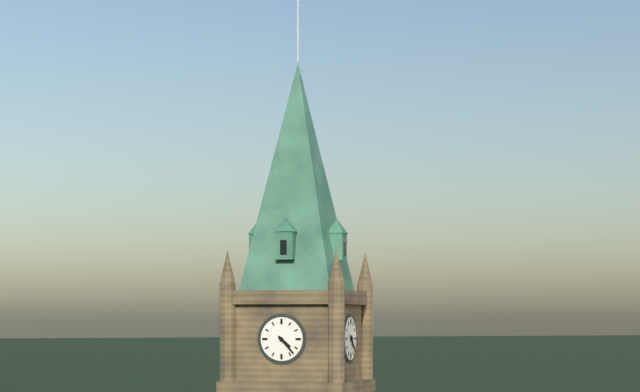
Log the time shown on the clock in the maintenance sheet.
4:23
